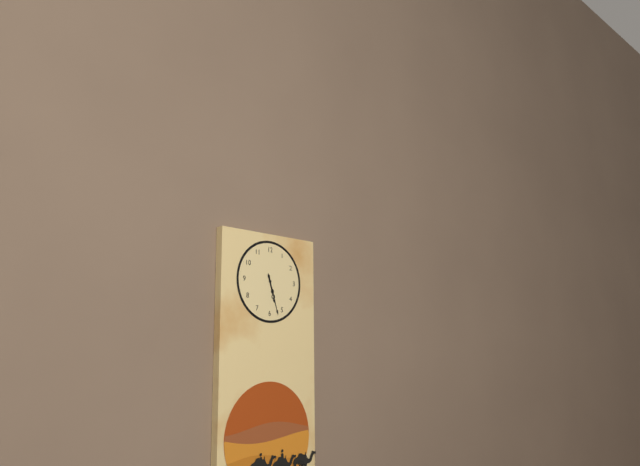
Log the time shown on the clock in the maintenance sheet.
5:27
